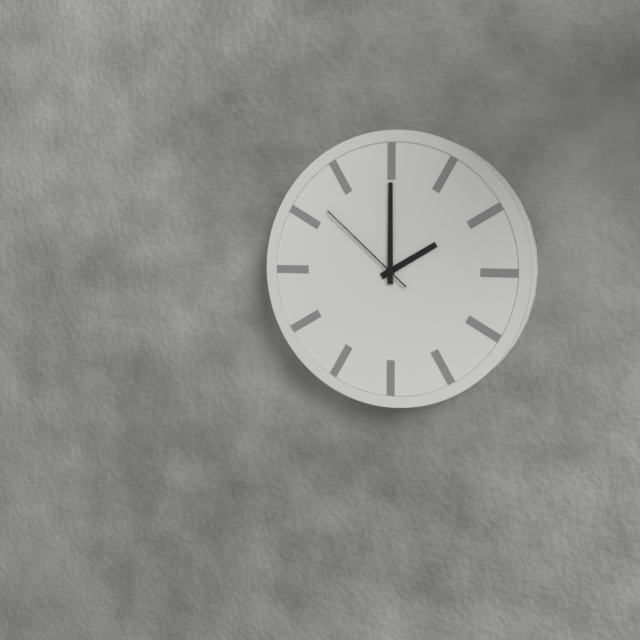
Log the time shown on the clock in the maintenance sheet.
2:00:52
